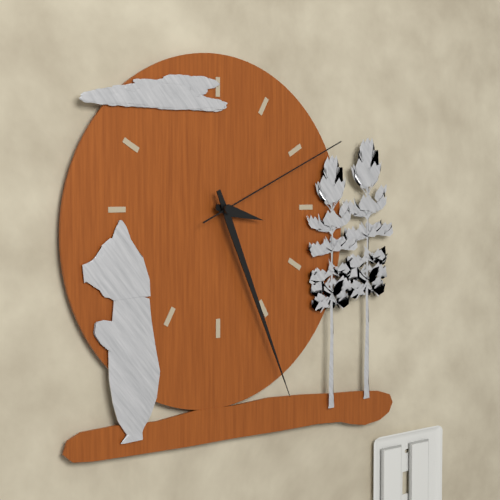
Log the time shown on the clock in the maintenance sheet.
3:26:11
